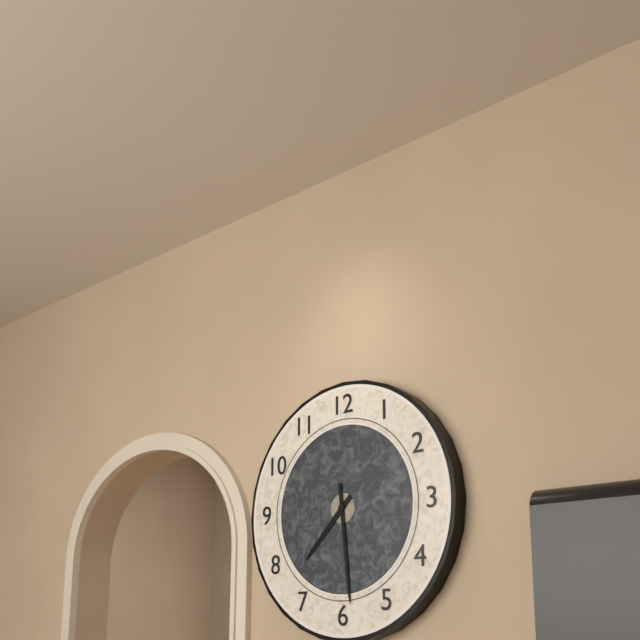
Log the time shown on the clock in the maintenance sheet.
7:29
